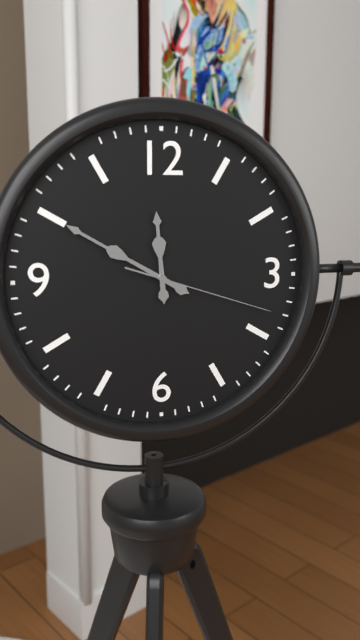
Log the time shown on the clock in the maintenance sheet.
11:50:18
